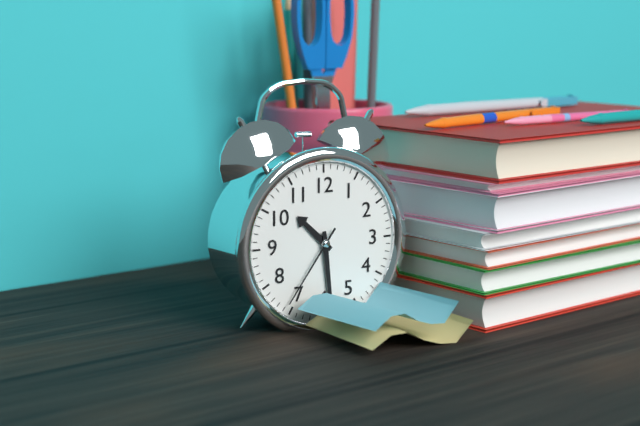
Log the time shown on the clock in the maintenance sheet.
10:29:36
